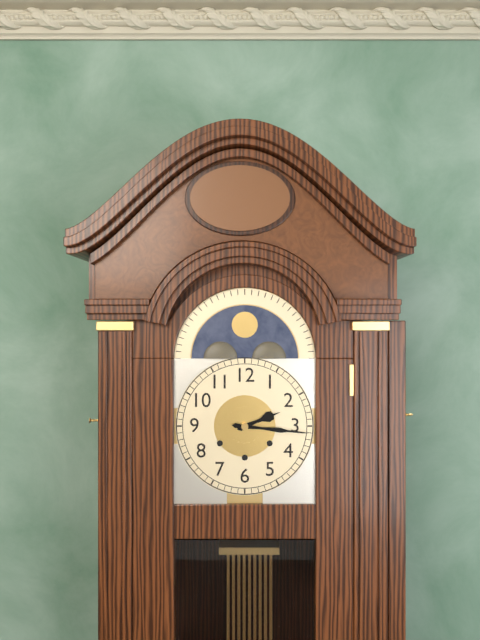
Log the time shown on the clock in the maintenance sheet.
2:16
